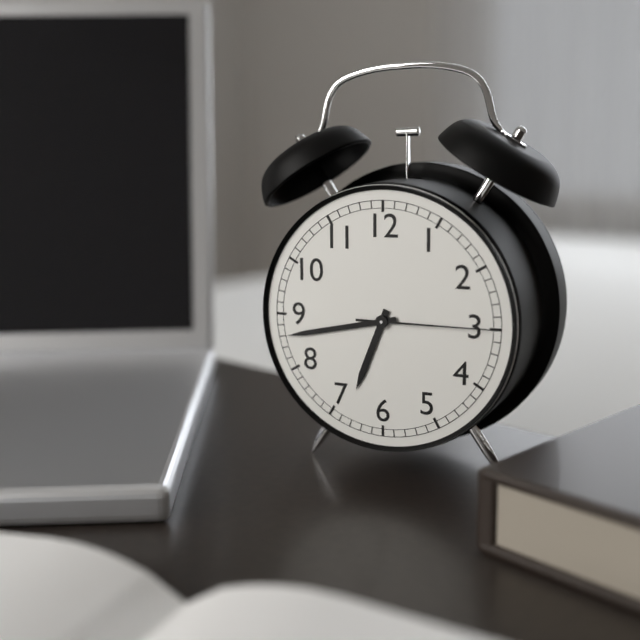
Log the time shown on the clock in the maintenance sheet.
6:43:15
